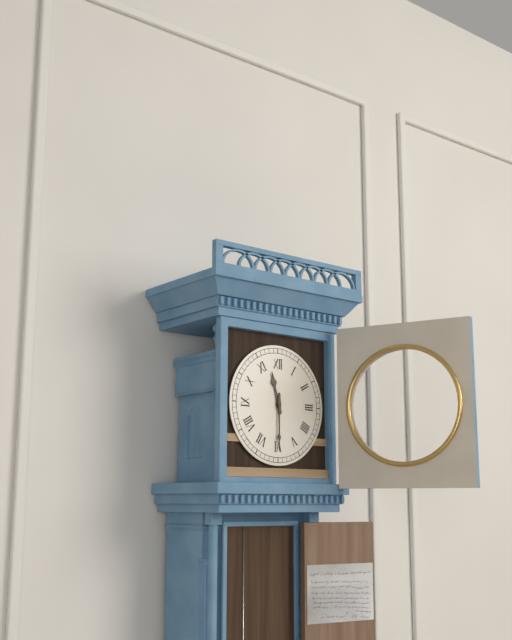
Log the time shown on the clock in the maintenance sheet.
11:30
